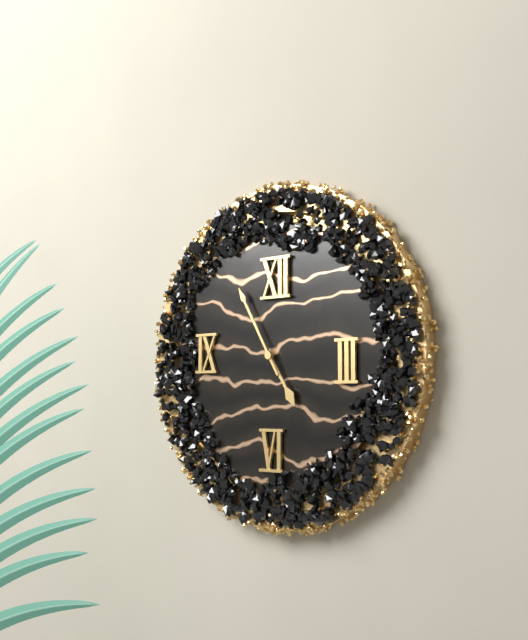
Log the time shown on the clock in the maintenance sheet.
4:55
